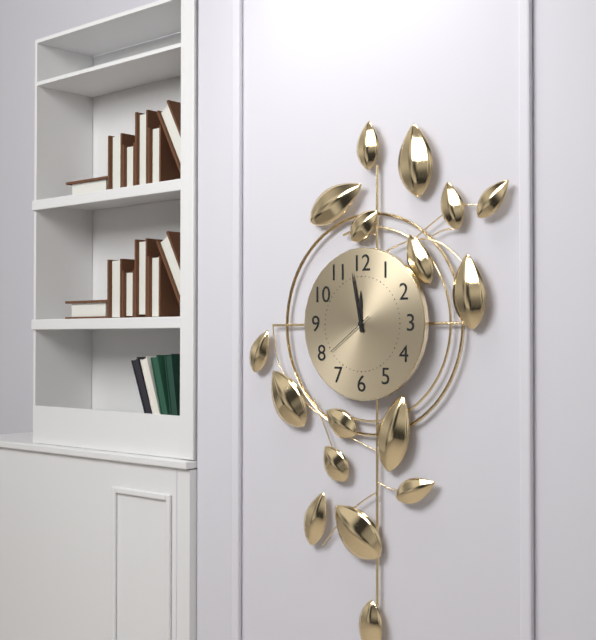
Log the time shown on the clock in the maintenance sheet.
11:58:39
